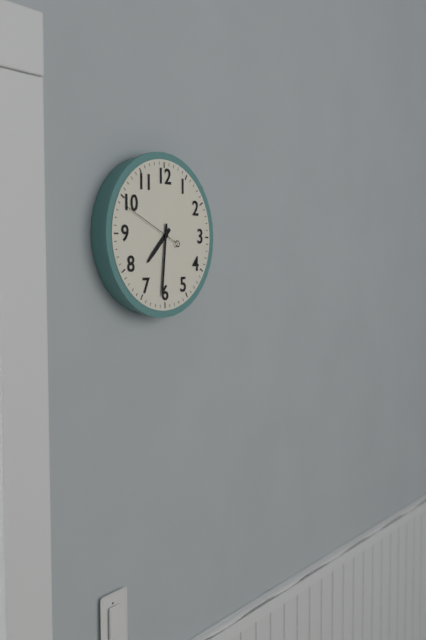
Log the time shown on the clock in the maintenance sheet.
7:31:49
